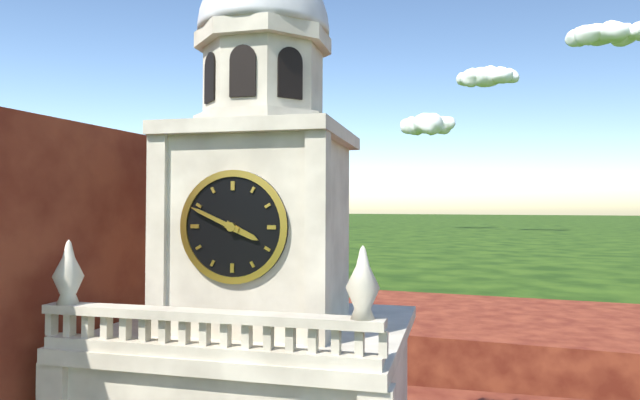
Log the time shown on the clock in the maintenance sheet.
3:49
